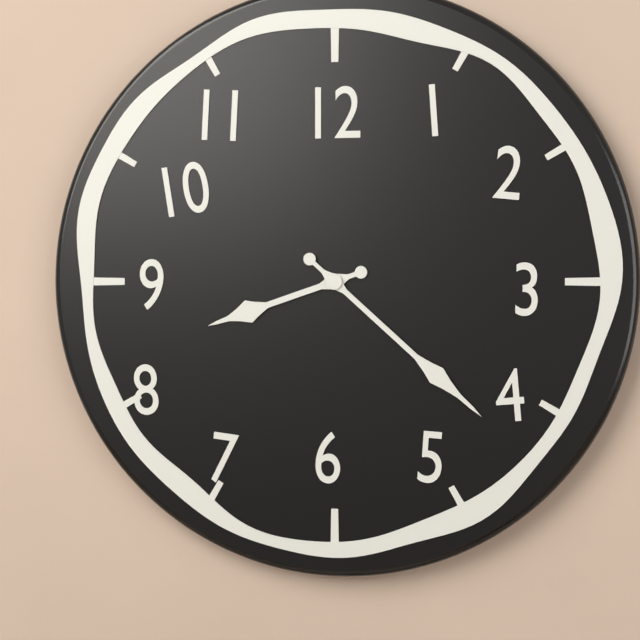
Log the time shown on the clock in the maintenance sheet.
8:22
